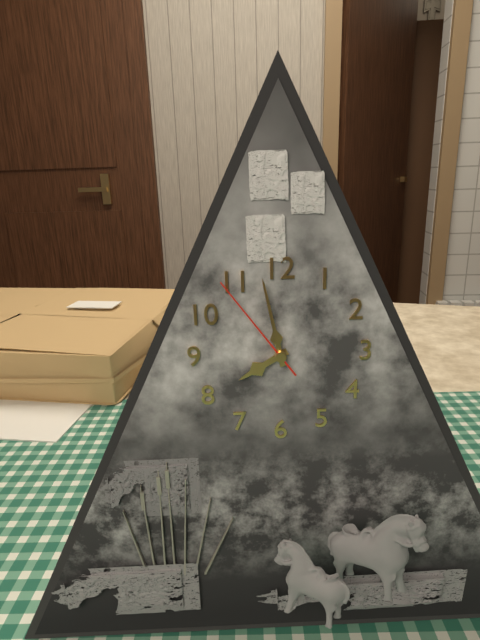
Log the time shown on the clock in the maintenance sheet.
7:58:54
